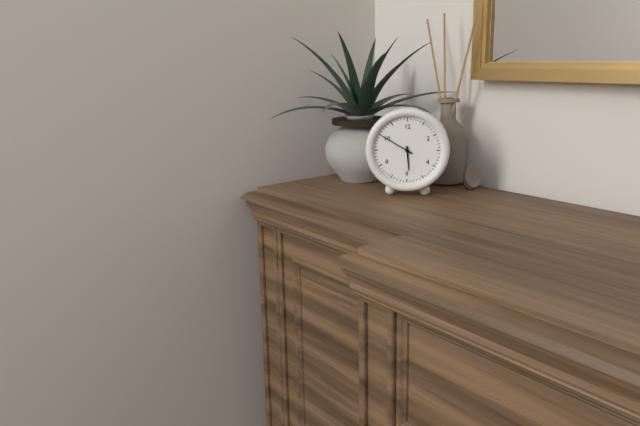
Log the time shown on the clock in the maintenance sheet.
5:50
